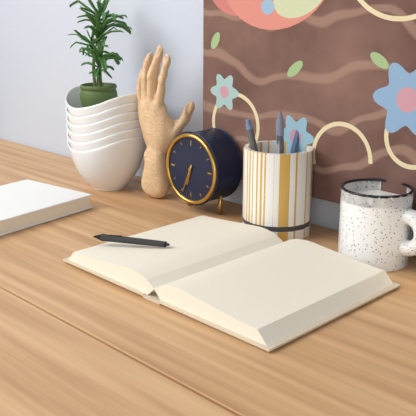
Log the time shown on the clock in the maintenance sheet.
6:34
